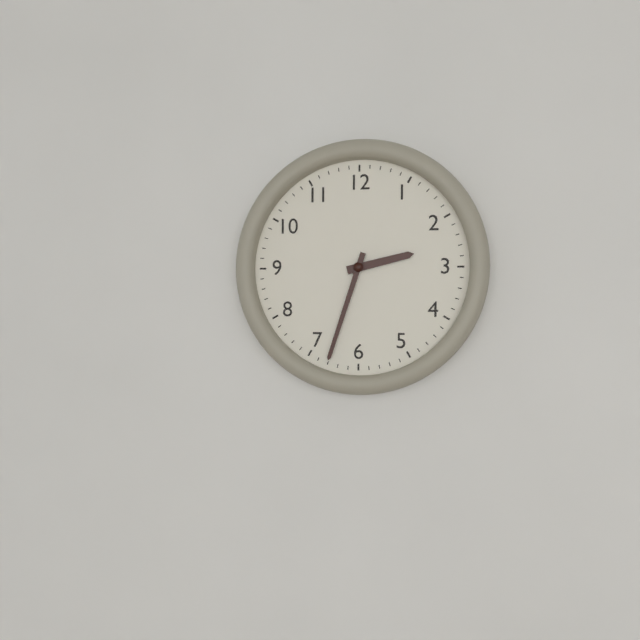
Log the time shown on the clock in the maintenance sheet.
2:33
